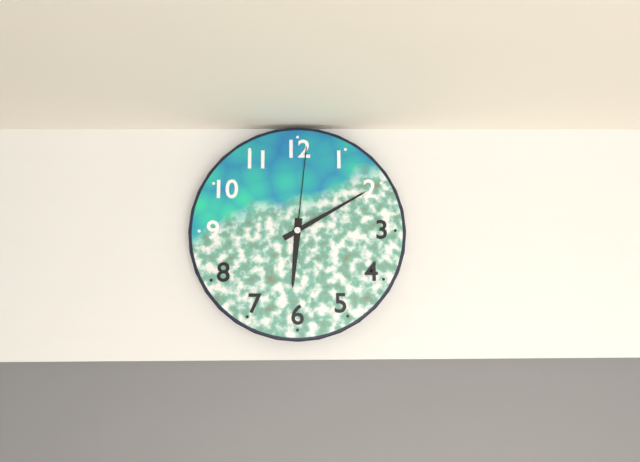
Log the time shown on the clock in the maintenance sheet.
6:10:01
